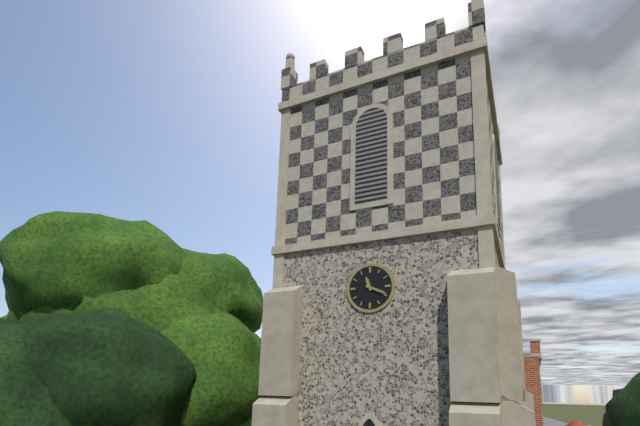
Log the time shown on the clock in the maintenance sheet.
11:19
